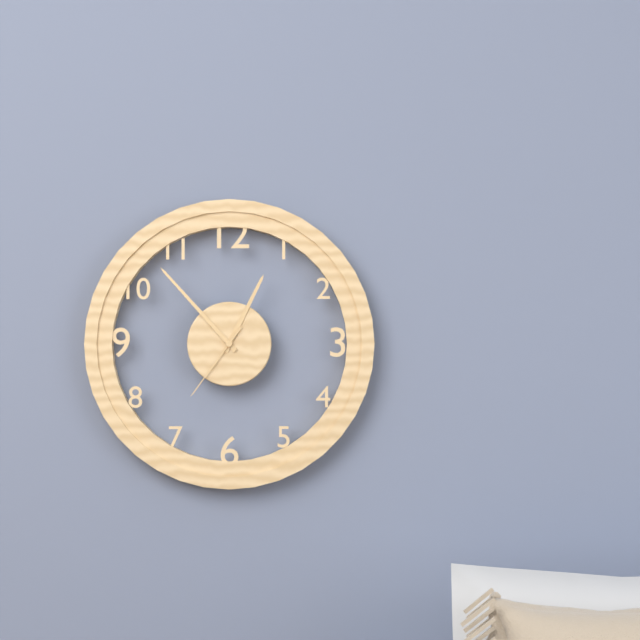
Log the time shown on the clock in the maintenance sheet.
12:53:36
